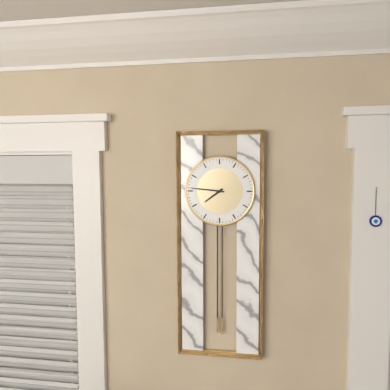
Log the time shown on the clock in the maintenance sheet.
7:46
